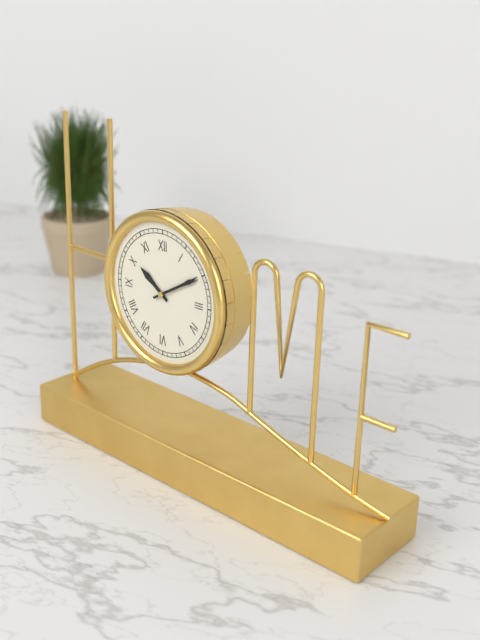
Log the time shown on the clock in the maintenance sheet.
10:10
